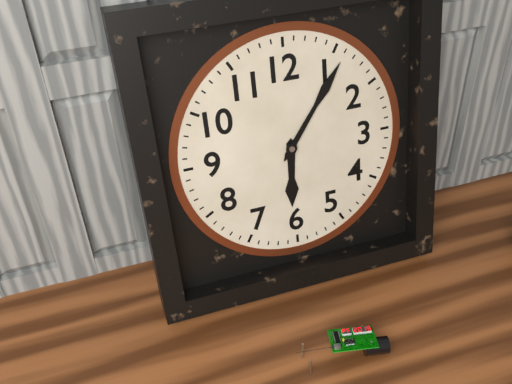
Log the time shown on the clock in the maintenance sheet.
6:06
